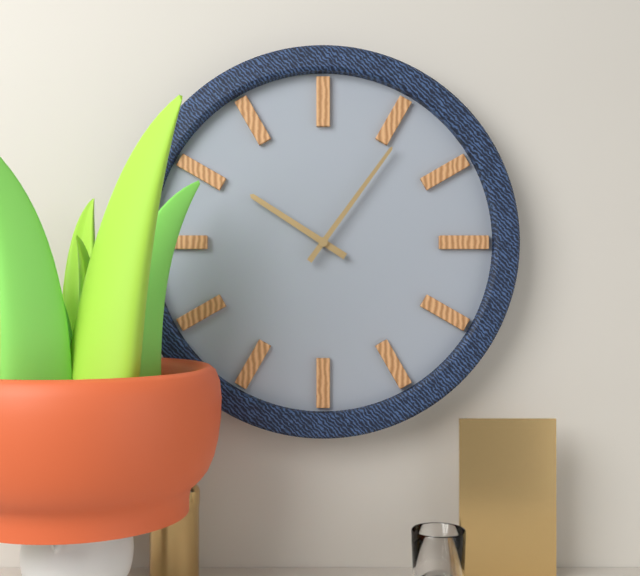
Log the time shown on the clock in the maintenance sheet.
10:06
